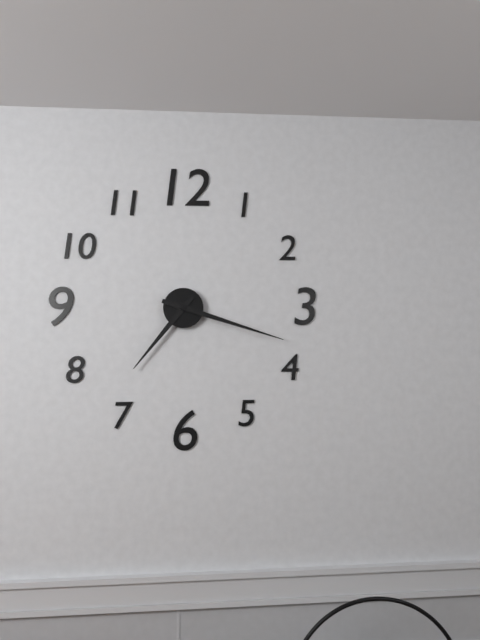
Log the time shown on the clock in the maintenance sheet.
7:18
